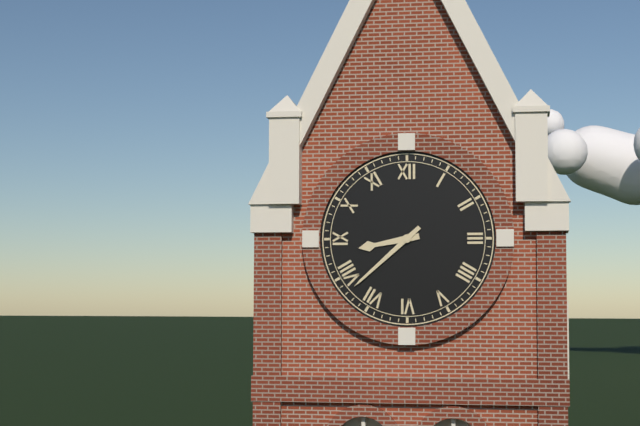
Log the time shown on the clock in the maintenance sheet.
8:38
